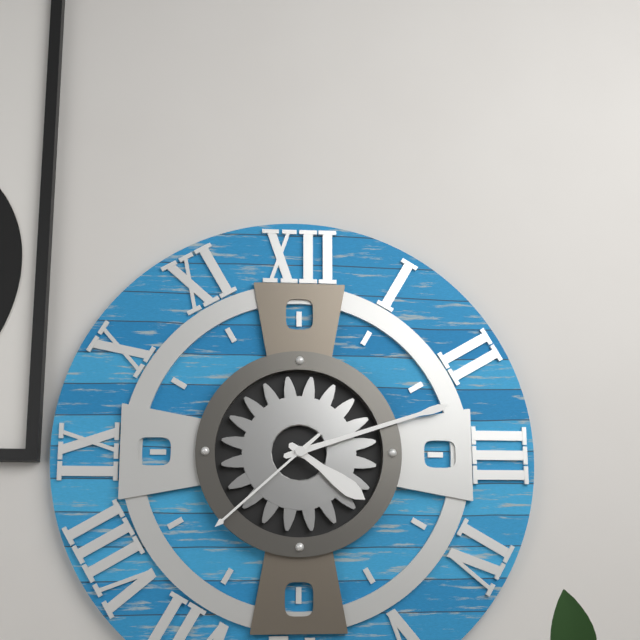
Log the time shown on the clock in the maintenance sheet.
4:12:38
